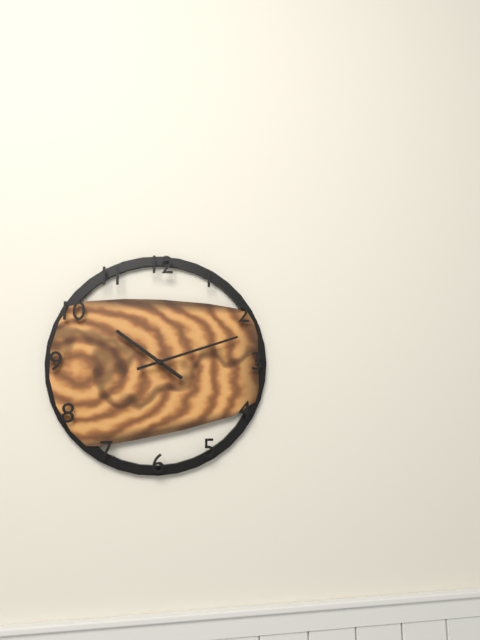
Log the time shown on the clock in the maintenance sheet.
10:12
